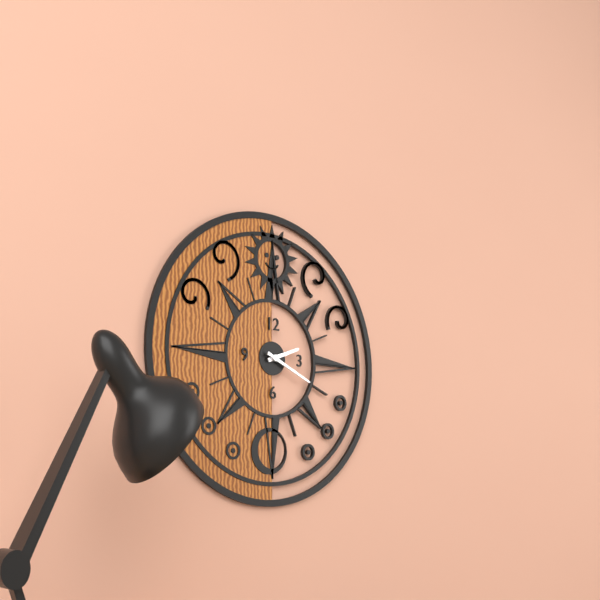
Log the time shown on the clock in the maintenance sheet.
2:19
